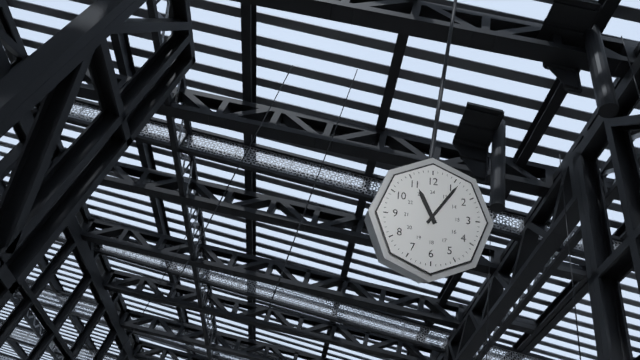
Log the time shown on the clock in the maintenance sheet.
11:06
